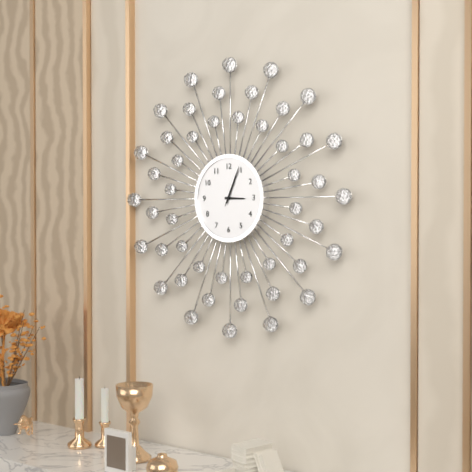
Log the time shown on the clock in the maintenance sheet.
3:04
